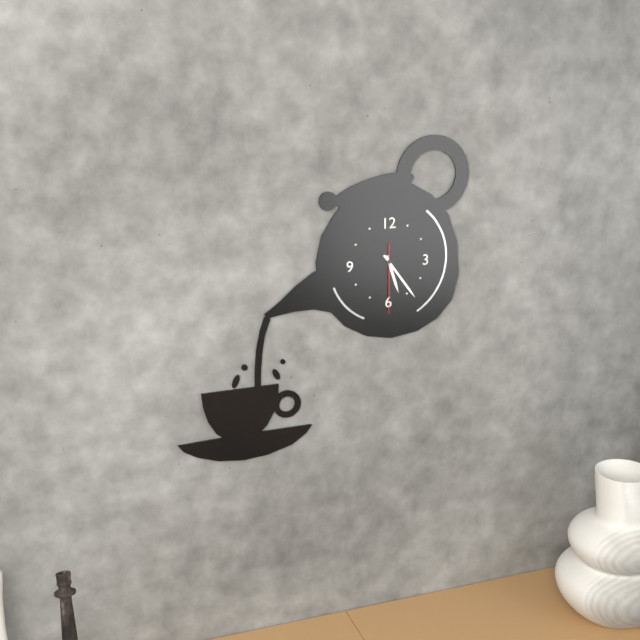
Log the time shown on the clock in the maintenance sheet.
5:24:30
